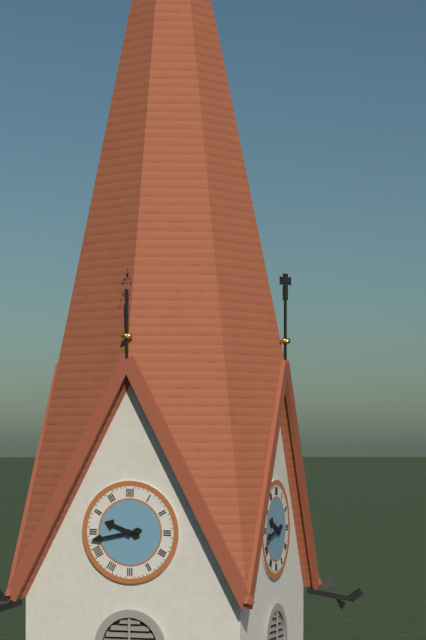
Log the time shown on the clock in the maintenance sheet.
9:43
